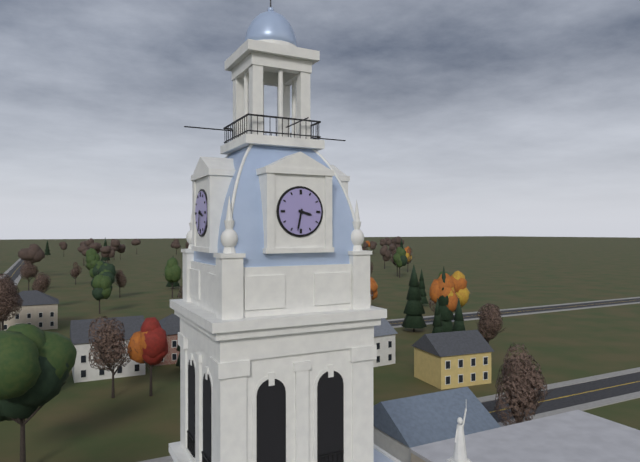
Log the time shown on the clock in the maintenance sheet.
3:32
